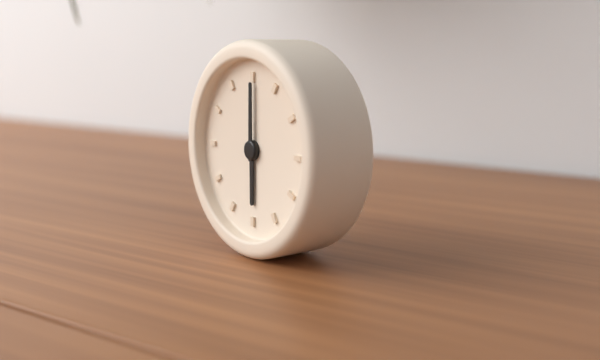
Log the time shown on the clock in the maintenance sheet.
6:00
